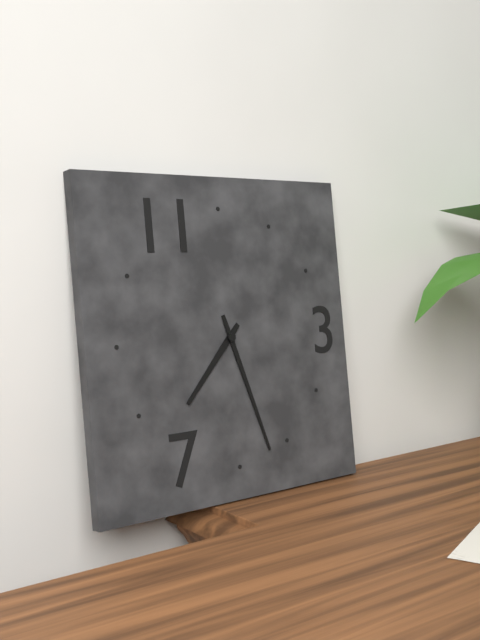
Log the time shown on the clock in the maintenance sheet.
7:27
